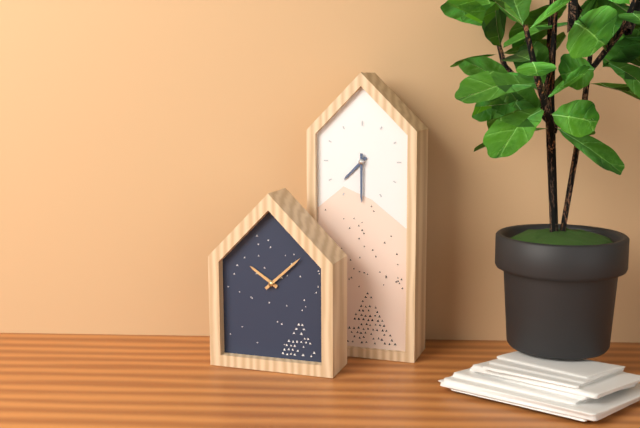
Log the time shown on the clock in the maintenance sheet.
7:30
